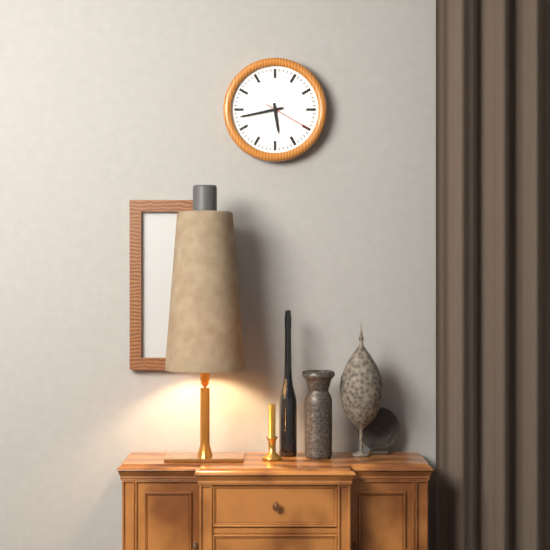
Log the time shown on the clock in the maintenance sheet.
5:43
